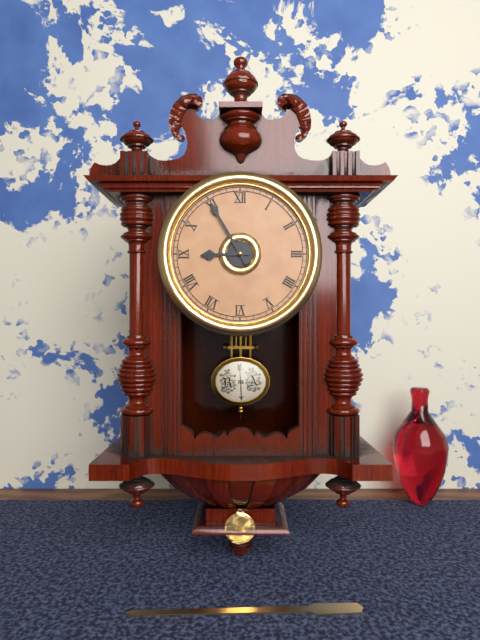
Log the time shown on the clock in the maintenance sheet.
8:55
